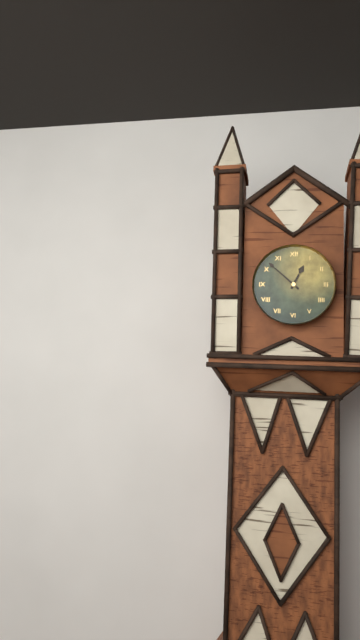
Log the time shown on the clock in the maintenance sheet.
12:52
